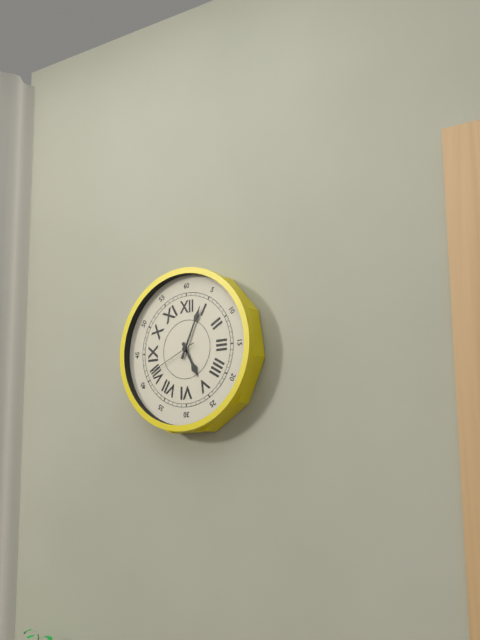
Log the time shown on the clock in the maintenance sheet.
5:04:41
